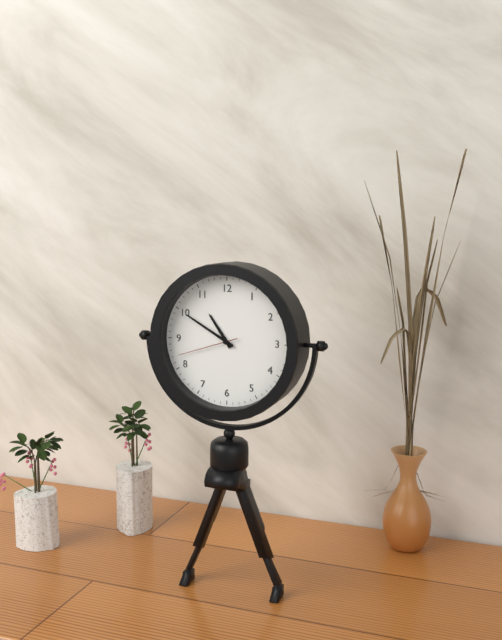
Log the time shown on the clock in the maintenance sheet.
10:50:42
